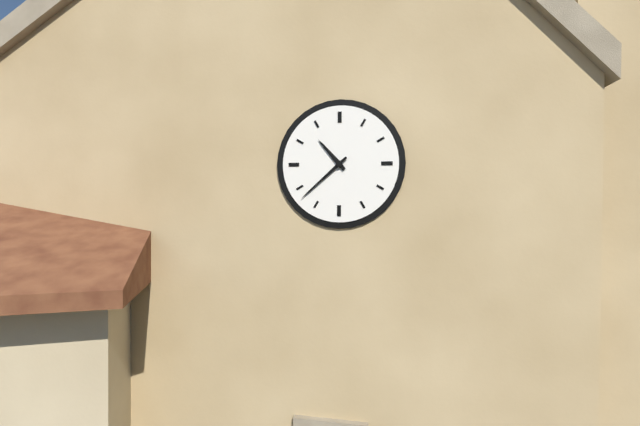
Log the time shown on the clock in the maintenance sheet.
10:38
